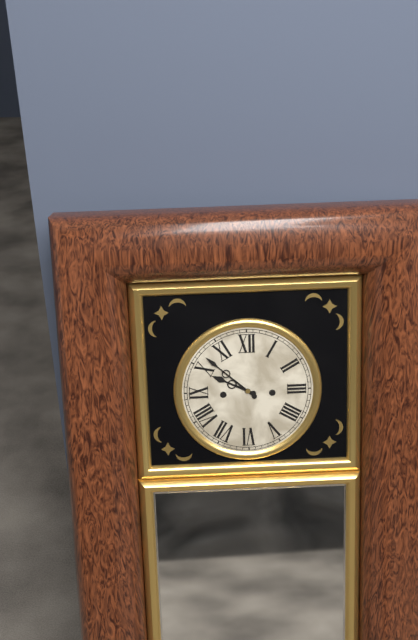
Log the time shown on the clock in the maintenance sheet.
9:52
